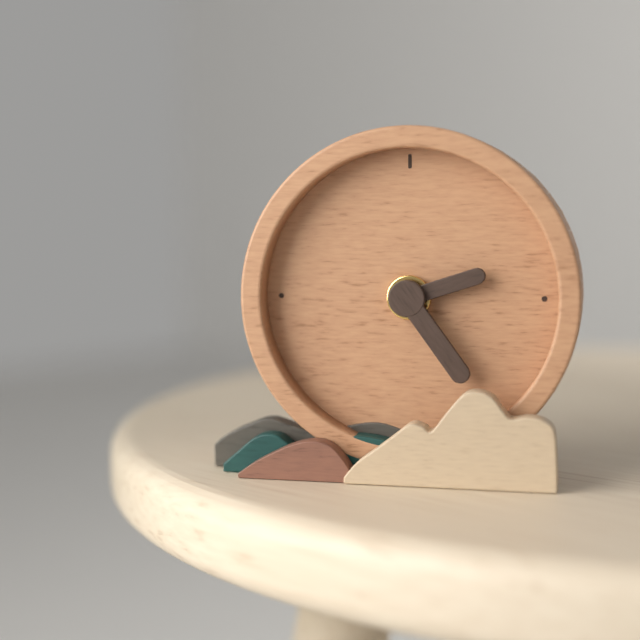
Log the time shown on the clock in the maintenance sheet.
2:24
